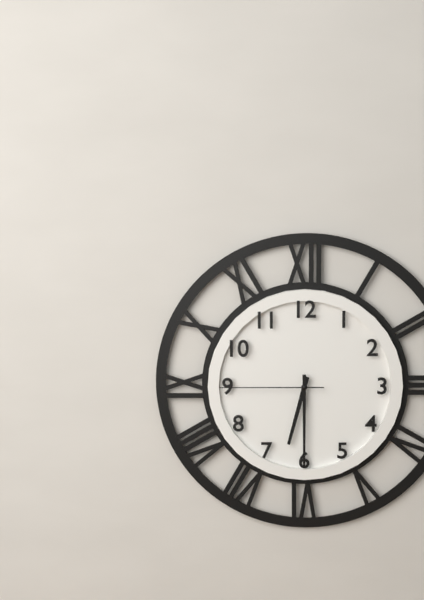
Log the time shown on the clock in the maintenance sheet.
6:30:45
